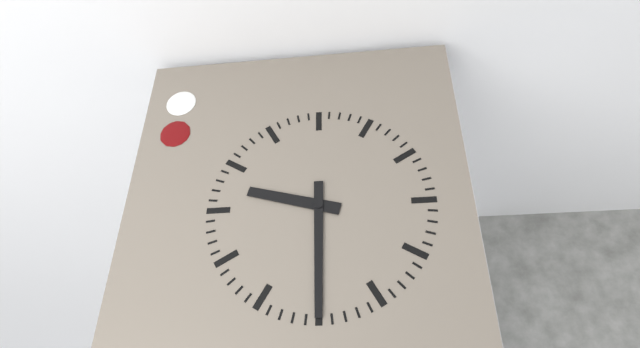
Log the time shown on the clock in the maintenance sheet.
9:30
